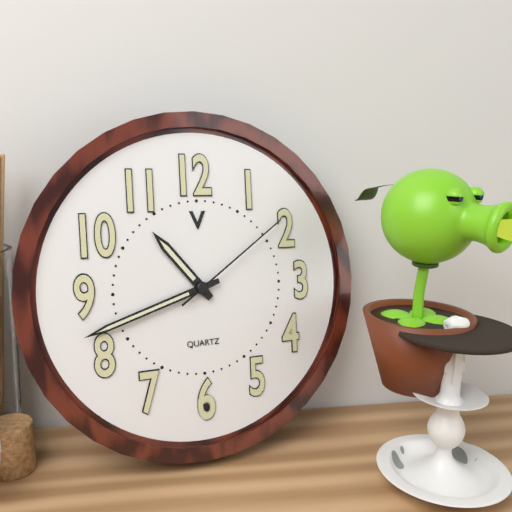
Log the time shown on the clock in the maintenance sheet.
10:42:09
